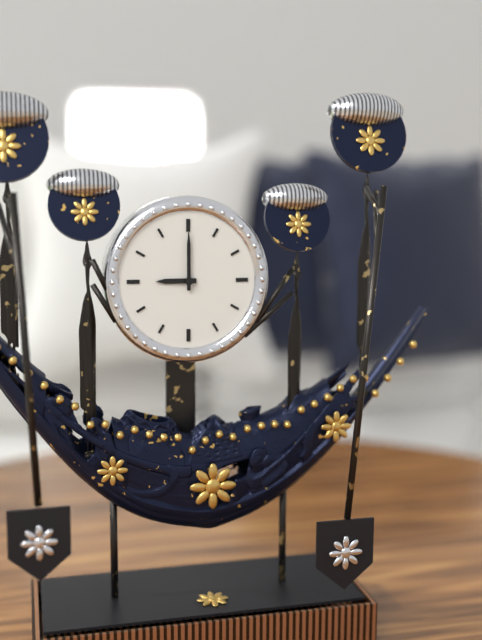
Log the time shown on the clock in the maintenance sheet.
9:00
